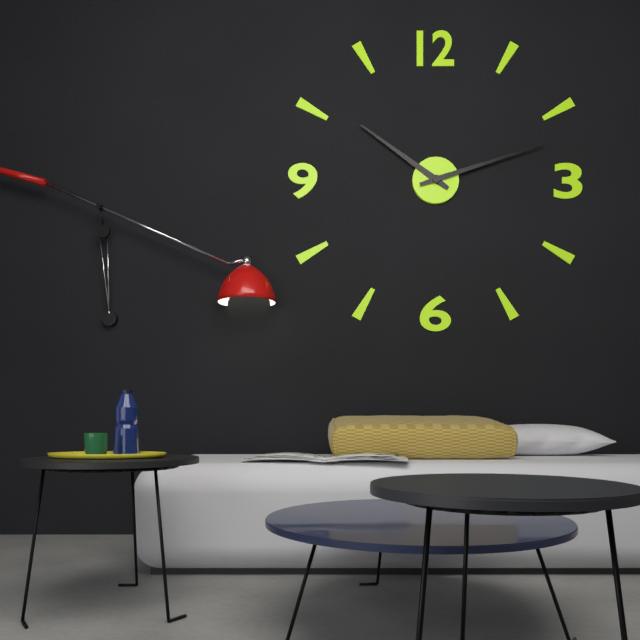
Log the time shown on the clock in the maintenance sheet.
10:12
